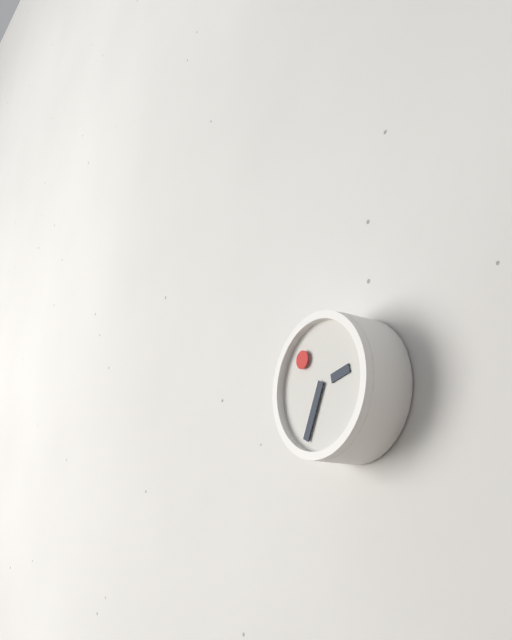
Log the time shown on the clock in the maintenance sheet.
2:34
